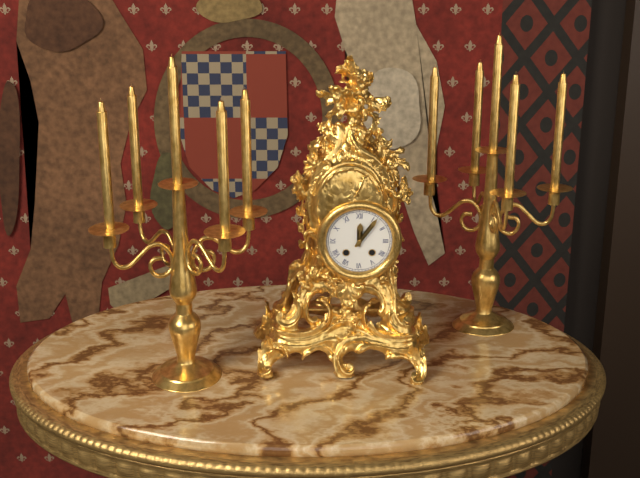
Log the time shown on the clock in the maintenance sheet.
12:06
